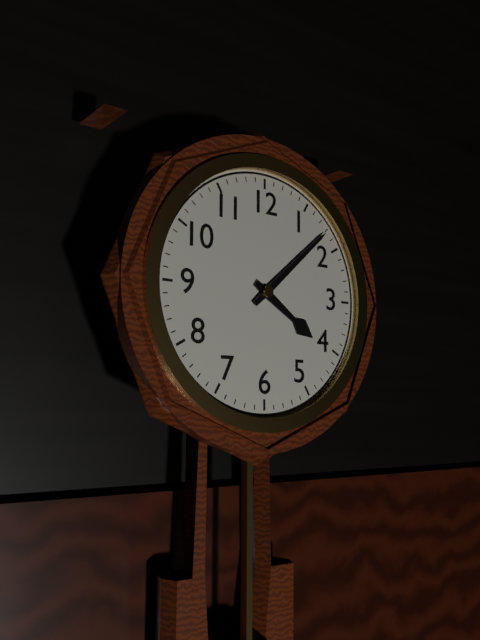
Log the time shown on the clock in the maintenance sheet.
4:08
